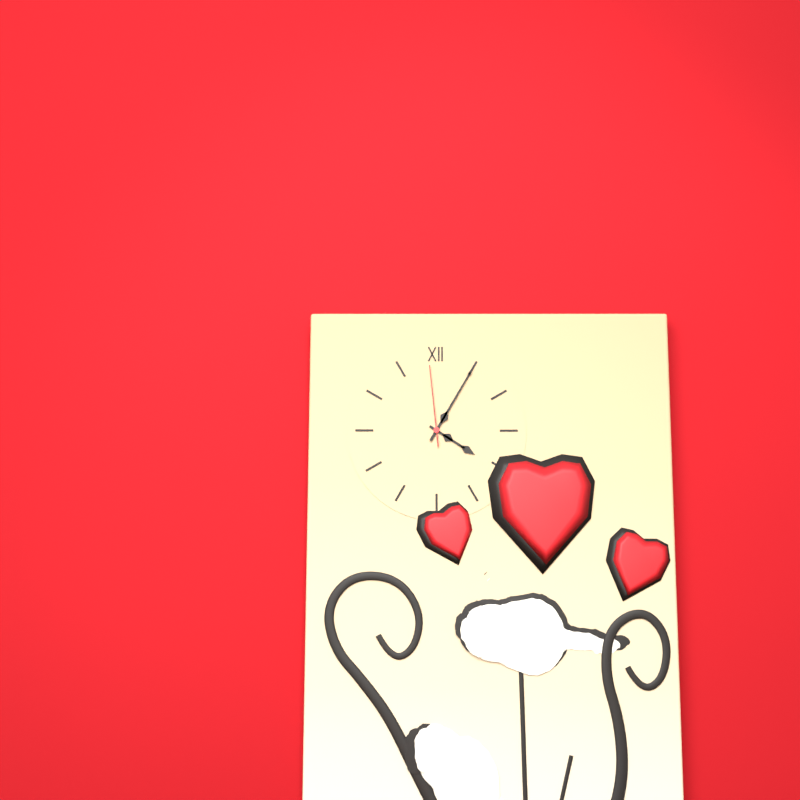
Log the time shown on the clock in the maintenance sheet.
4:05:59
